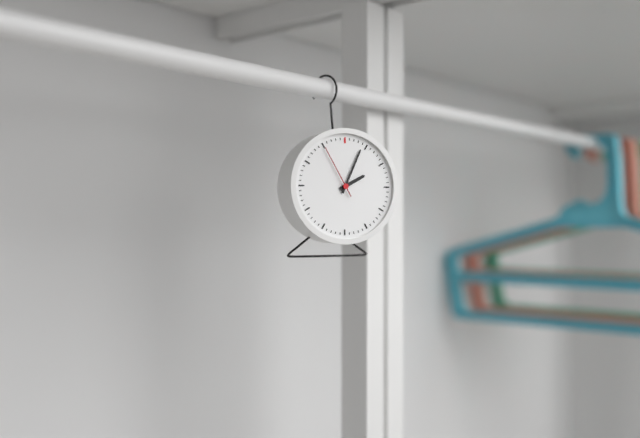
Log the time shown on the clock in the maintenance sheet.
2:04:55
